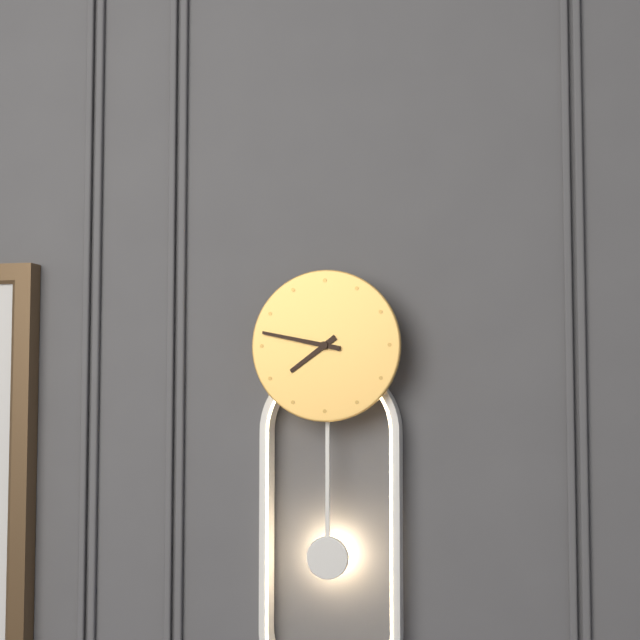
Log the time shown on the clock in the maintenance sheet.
7:47
